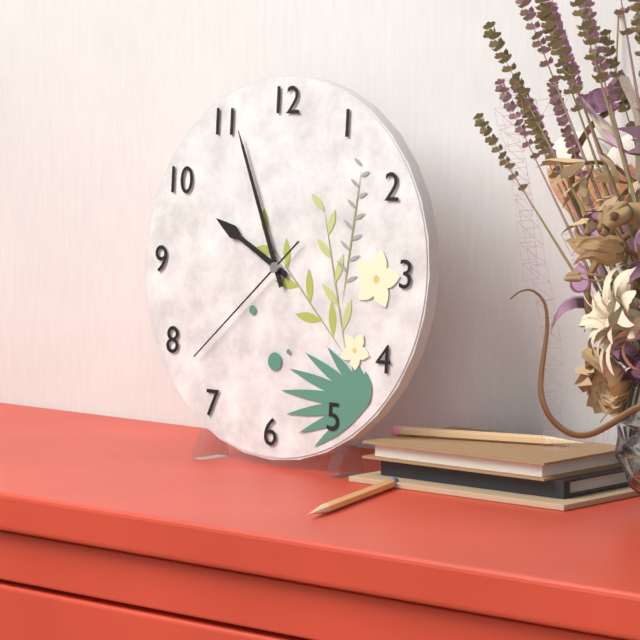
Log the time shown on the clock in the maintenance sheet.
9:56:38
